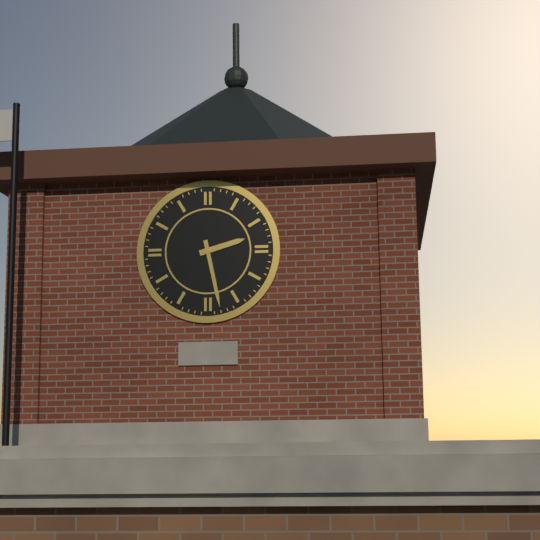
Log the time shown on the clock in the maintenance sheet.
2:28
